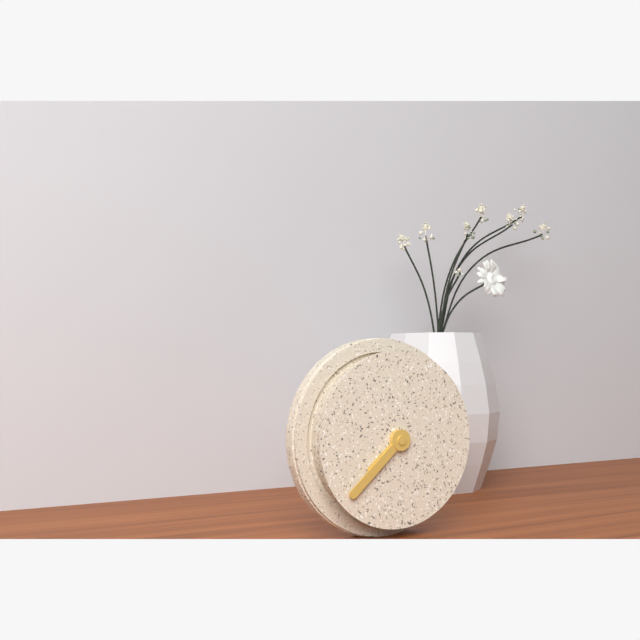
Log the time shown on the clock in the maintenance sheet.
7:38
